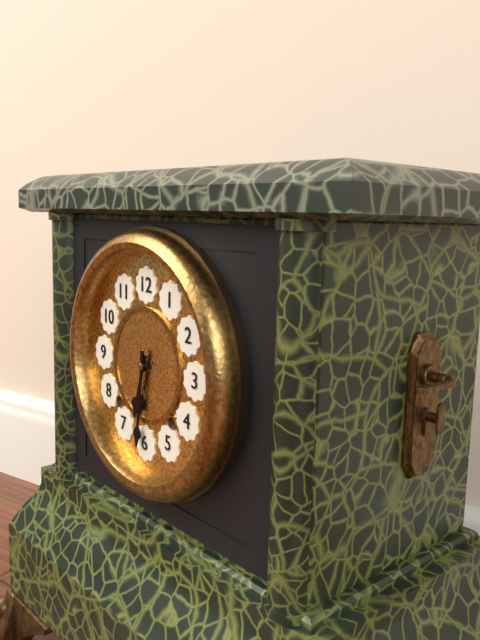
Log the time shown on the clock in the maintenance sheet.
6:31
